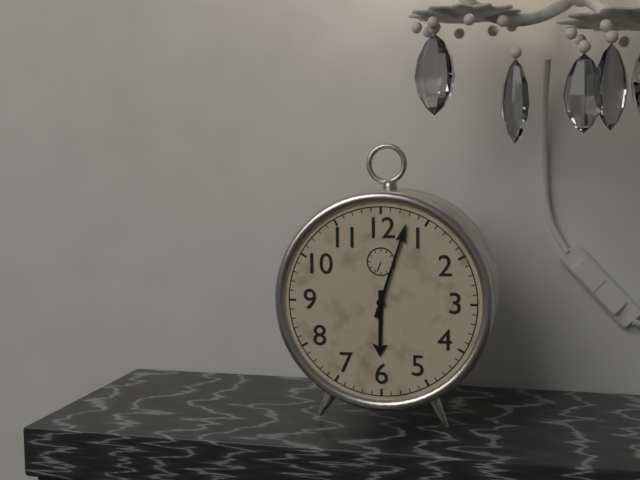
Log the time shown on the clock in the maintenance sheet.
6:03
